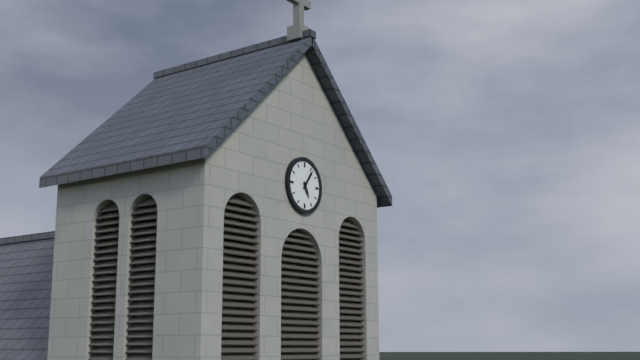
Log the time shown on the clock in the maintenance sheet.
5:06
